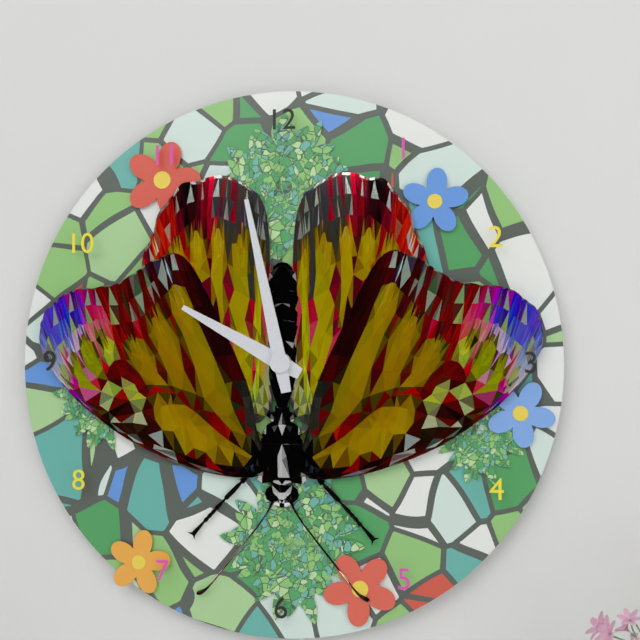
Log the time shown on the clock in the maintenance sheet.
9:58
